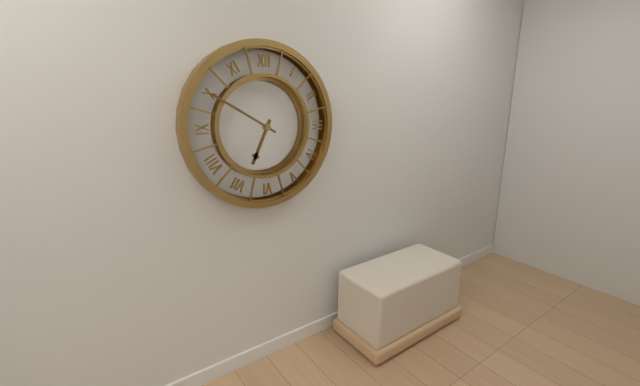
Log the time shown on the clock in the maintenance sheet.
6:50
